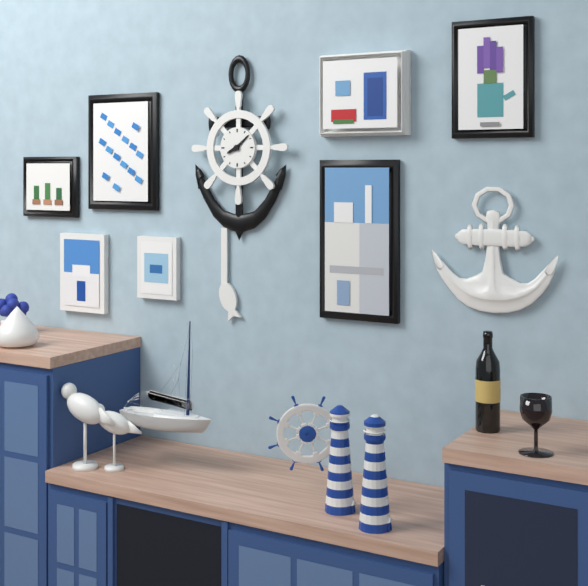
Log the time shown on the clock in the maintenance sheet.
8:08
